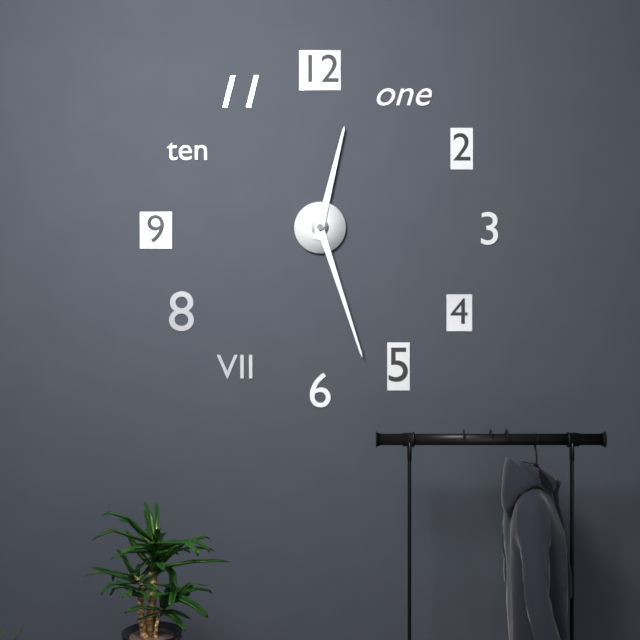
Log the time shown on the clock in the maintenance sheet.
12:27
